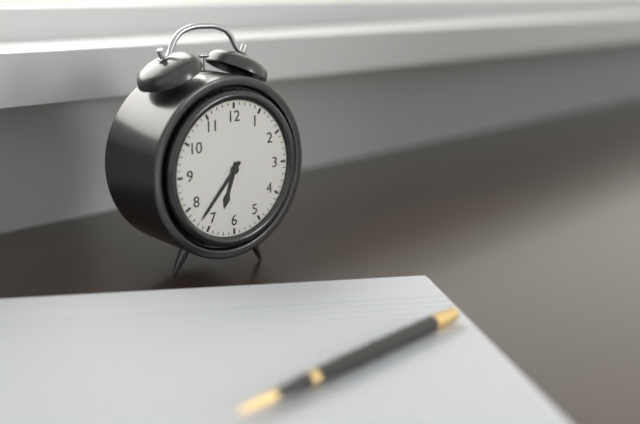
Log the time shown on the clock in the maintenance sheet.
6:37
